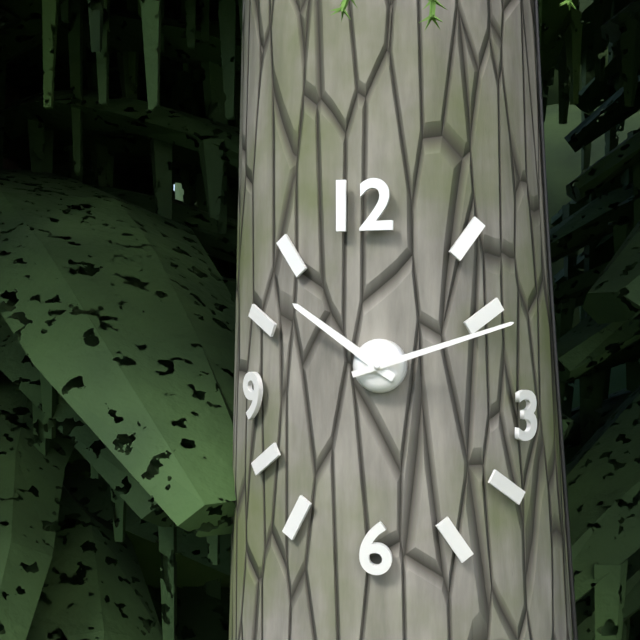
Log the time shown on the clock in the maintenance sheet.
10:12
